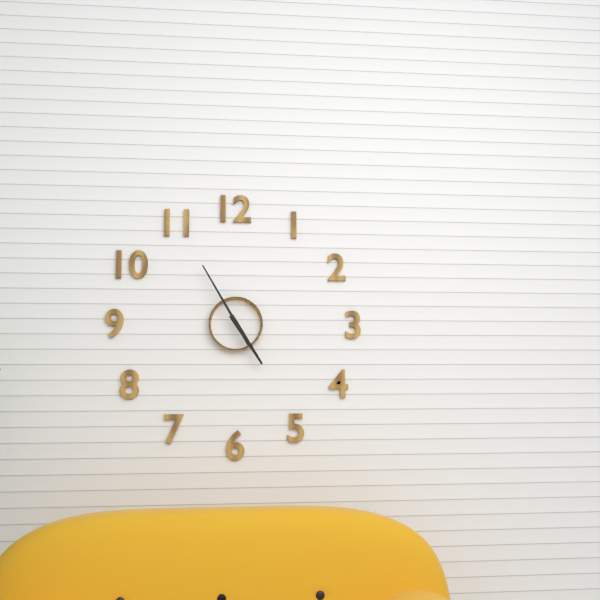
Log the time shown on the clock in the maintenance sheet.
4:55
